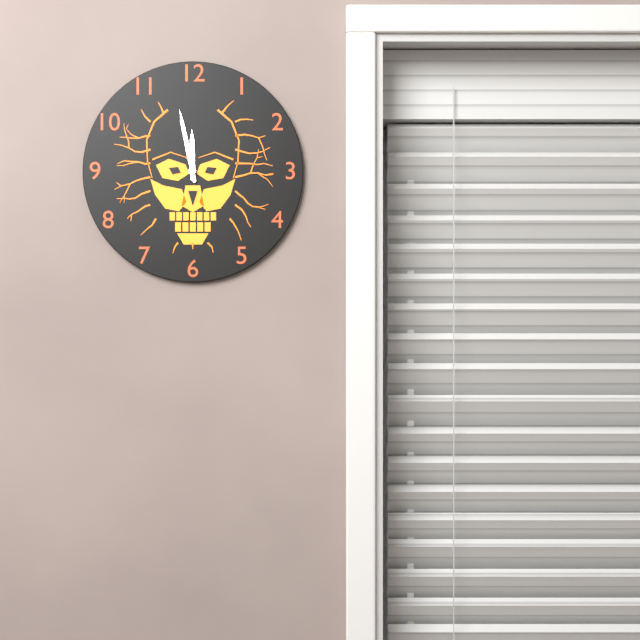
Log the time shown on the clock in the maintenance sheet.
11:58
